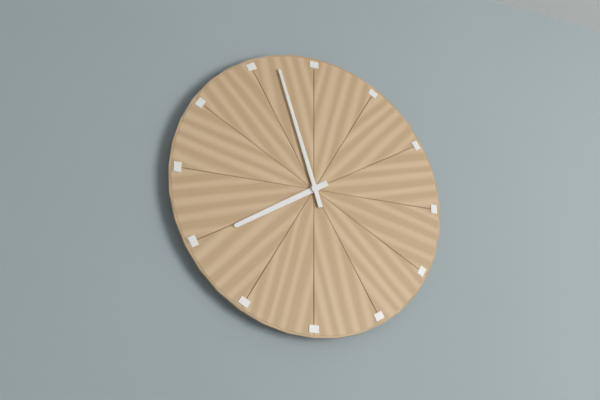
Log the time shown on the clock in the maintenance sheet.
7:57
